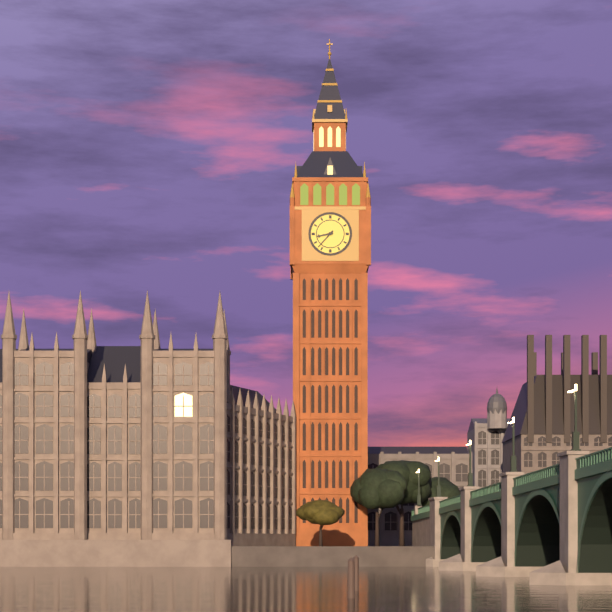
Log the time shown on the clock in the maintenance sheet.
8:37
